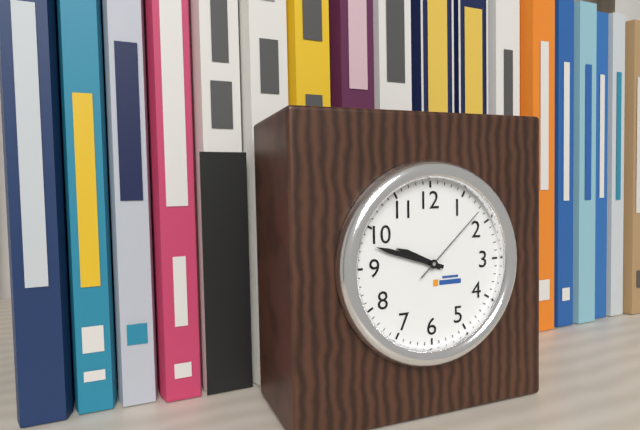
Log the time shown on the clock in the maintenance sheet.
9:48:08
